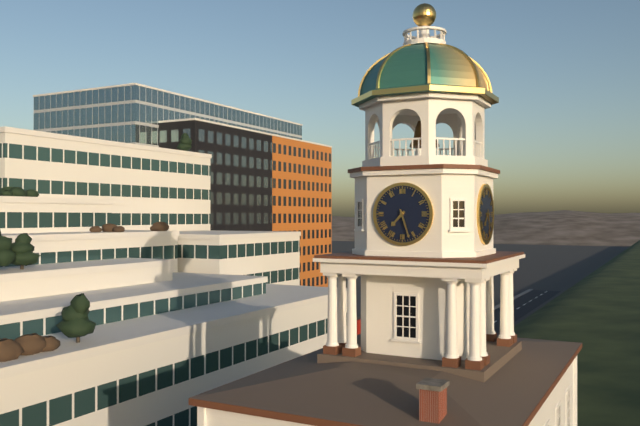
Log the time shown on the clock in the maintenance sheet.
7:27
